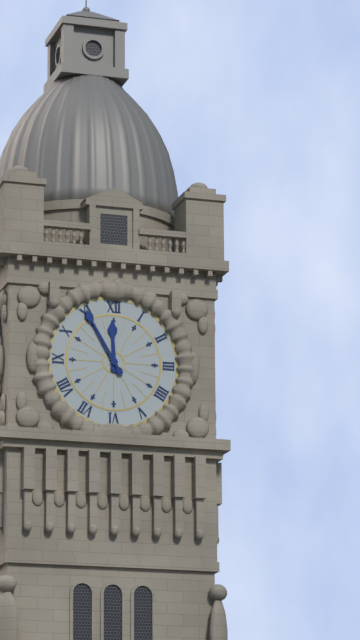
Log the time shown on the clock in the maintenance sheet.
11:55
